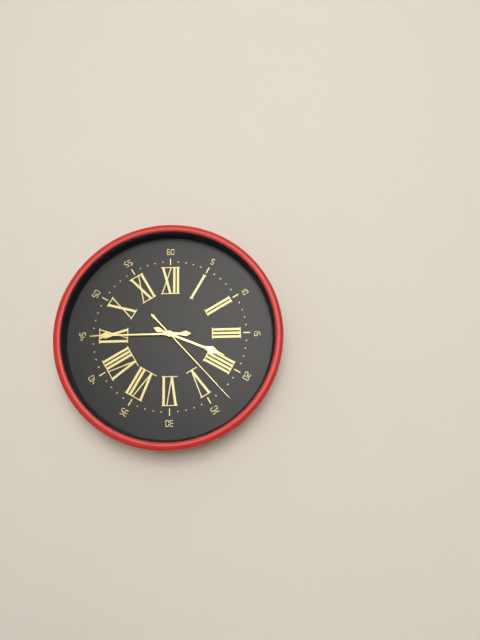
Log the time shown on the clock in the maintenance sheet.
3:45:23
